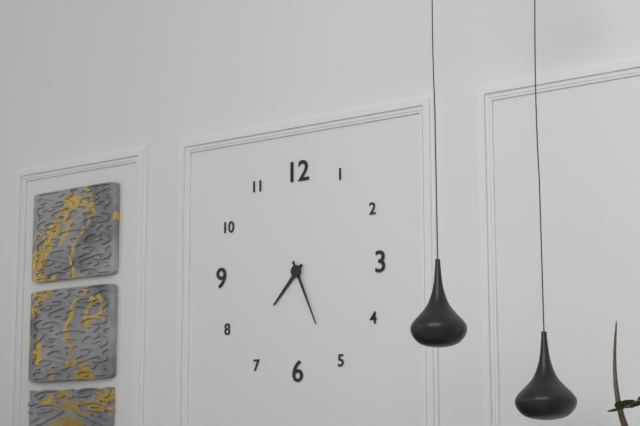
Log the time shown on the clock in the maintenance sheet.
7:26
